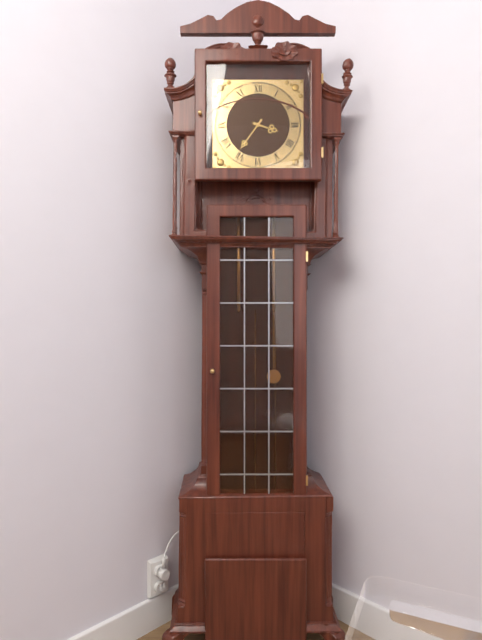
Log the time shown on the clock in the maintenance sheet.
3:36
